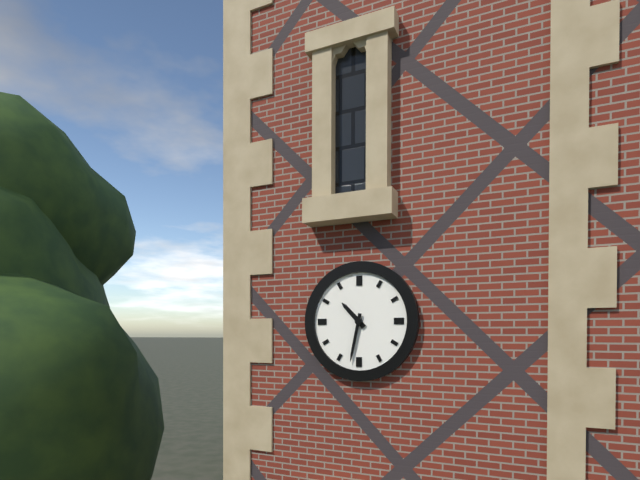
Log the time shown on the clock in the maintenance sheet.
10:32
